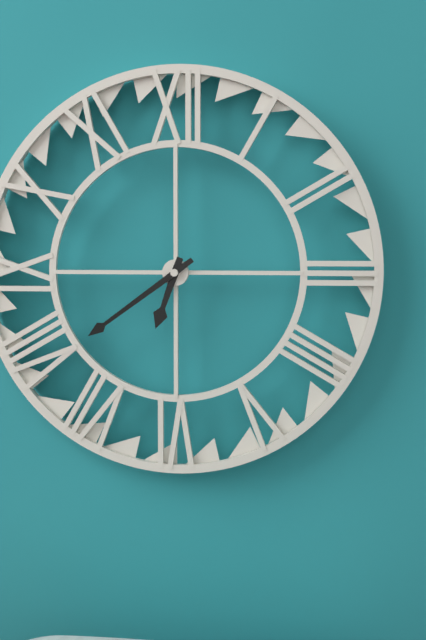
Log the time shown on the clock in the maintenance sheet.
6:39
